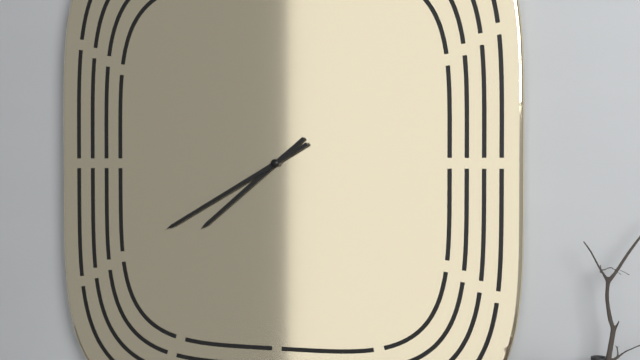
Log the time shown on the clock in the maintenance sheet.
7:40
